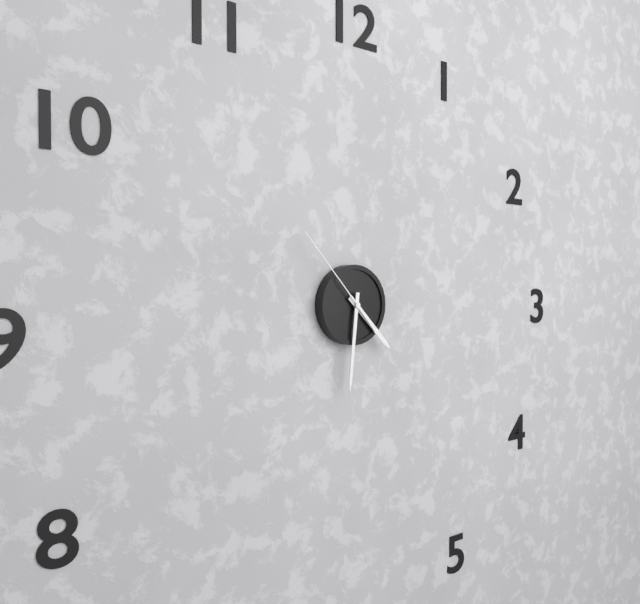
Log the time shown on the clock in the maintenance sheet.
4:31:53
